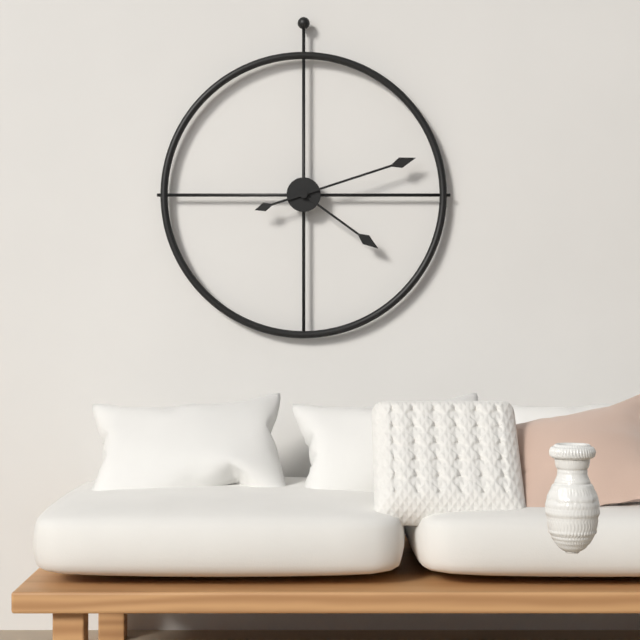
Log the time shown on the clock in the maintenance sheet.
4:12
